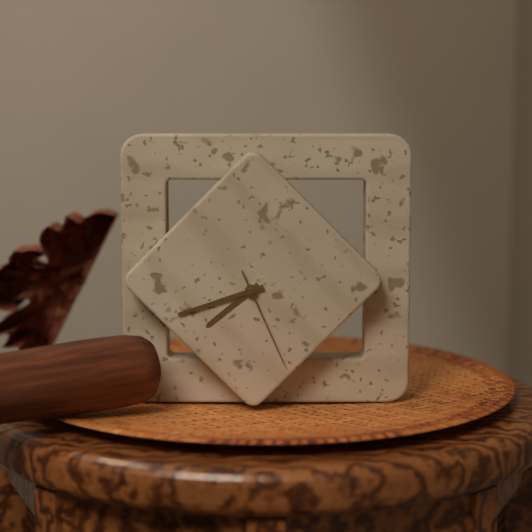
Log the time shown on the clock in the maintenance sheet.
7:42:26
